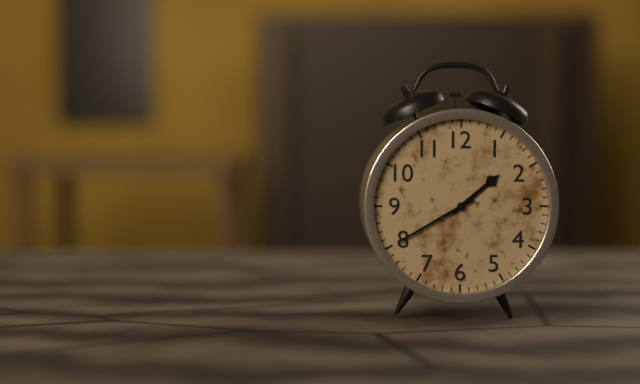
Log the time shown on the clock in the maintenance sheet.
1:40
